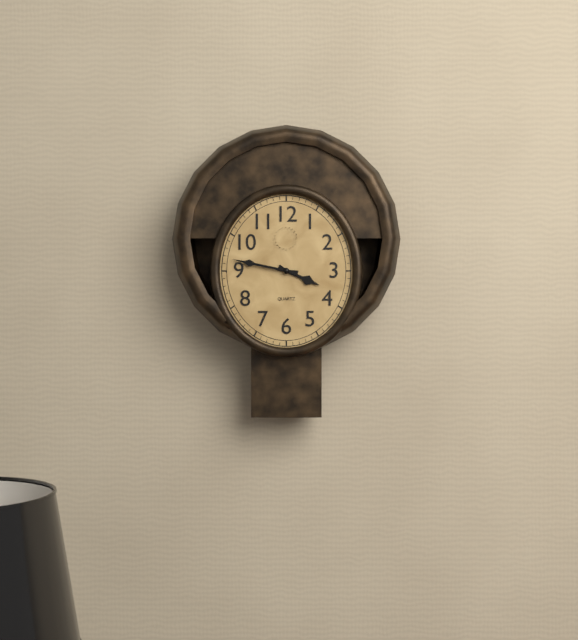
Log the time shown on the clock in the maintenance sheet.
3:47
